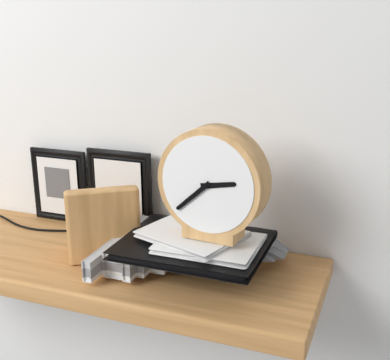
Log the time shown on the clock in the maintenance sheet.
2:38
